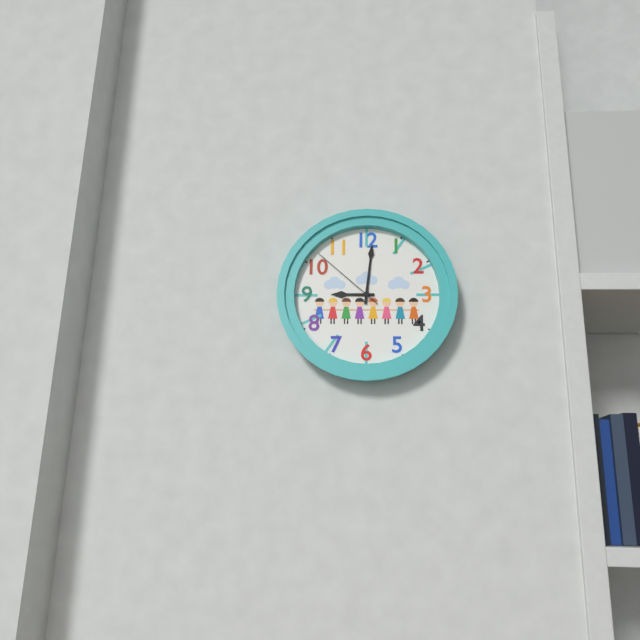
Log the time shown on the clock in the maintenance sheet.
9:01:52
